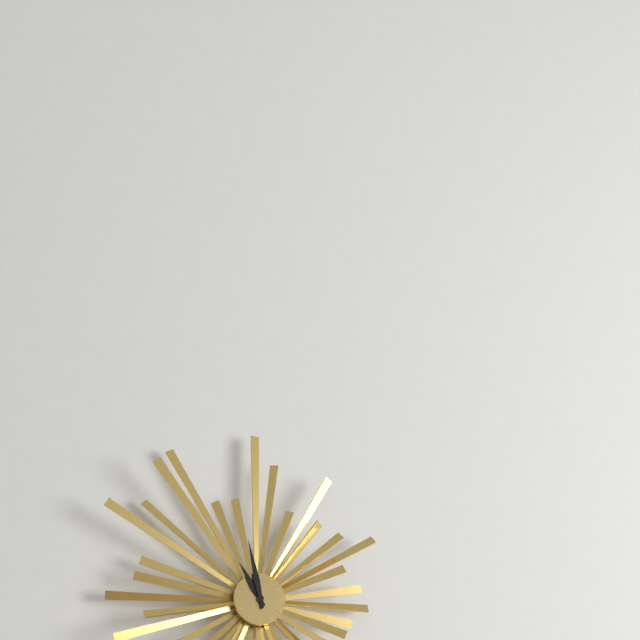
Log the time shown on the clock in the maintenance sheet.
10:58
